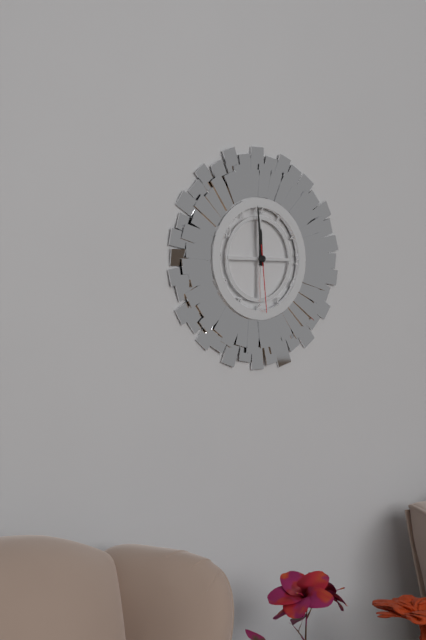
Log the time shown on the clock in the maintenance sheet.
11:59:29
